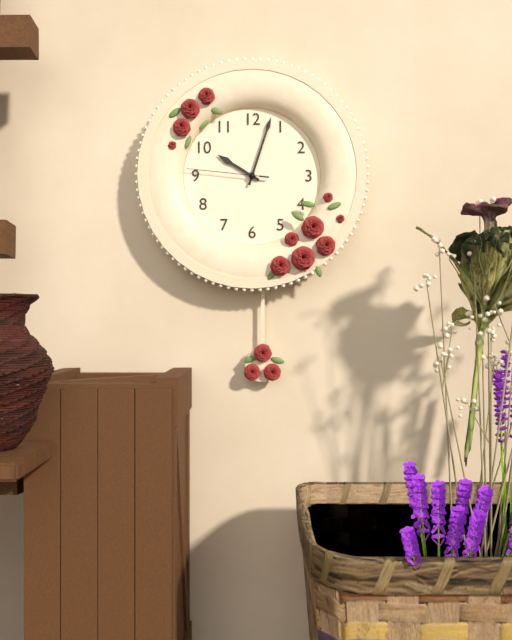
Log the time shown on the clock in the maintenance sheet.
10:03:46
